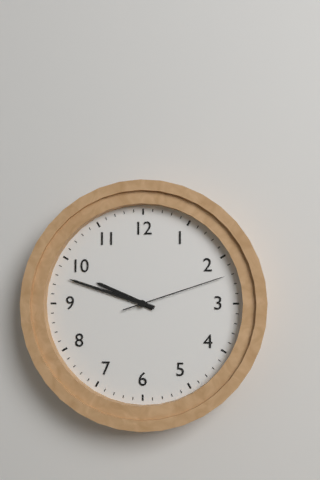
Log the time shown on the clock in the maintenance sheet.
9:48:12
